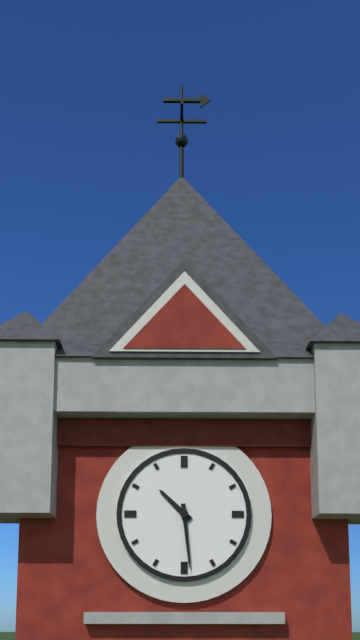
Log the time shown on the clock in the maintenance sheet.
10:29
